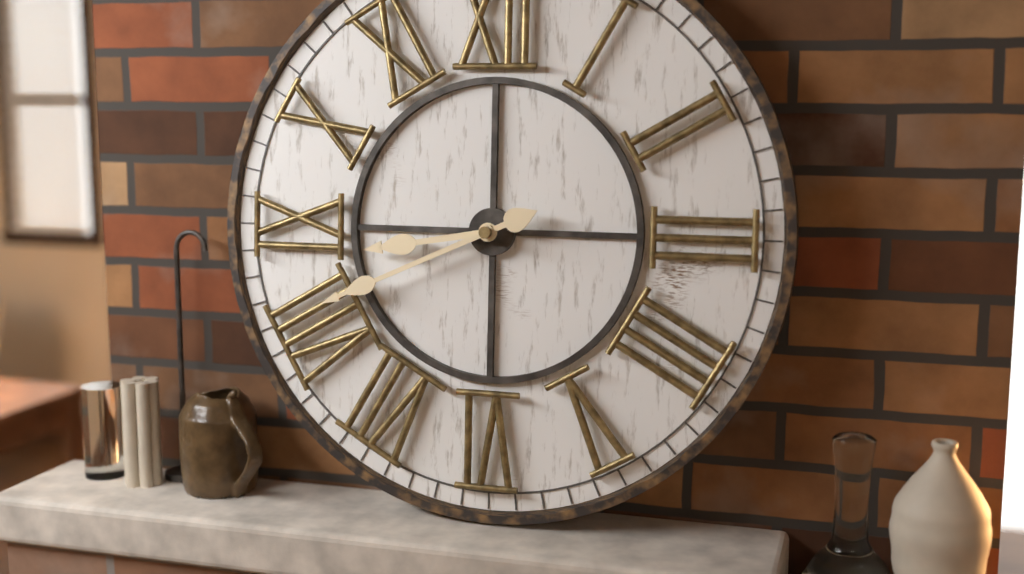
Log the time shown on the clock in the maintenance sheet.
8:41
